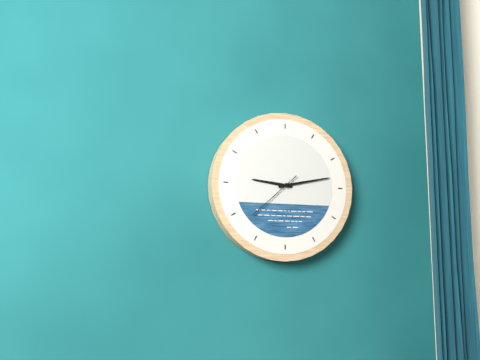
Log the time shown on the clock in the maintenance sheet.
9:13:38
